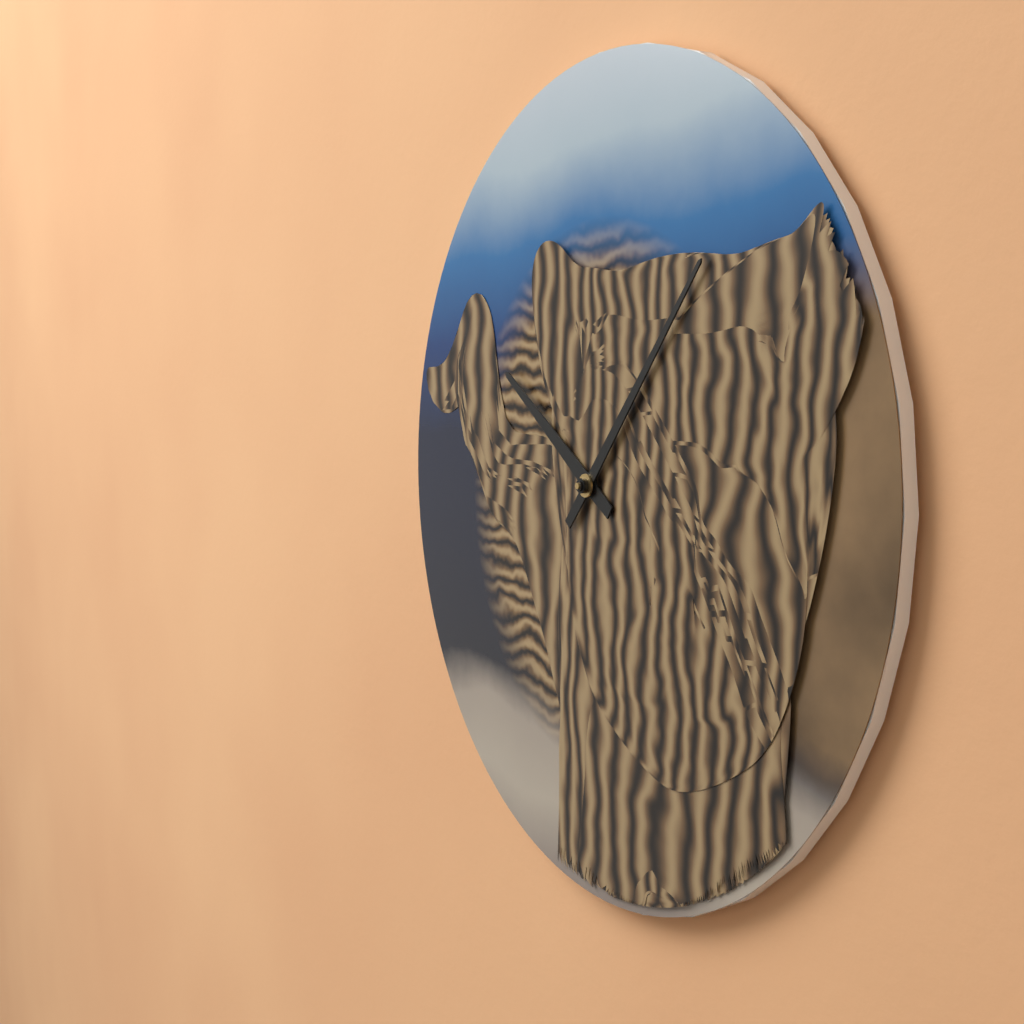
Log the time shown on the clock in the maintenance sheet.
10:07
